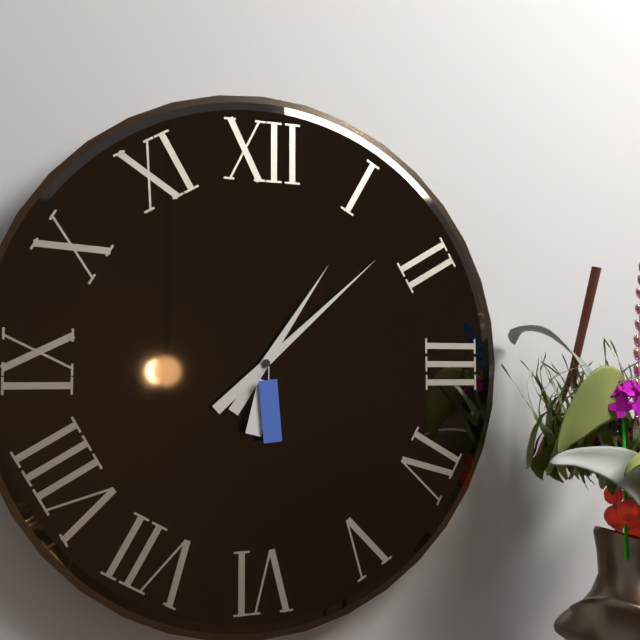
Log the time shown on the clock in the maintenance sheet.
1:08
